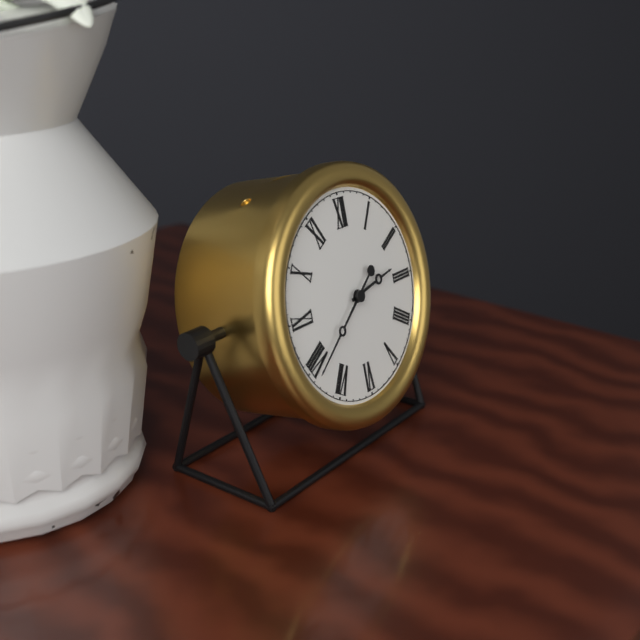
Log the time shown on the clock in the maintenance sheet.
2:39
